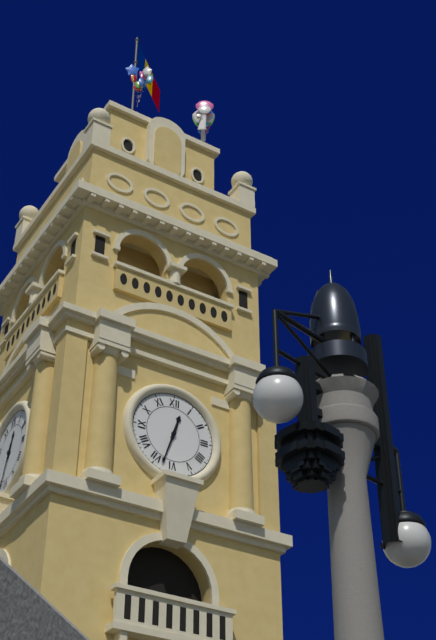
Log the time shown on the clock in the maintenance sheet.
12:33
